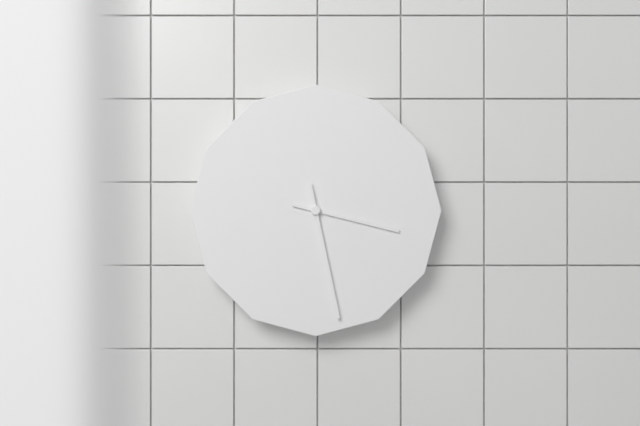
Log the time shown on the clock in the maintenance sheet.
3:28
